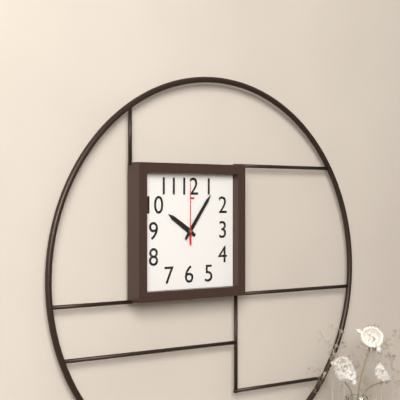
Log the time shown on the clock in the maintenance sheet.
10:06:00
